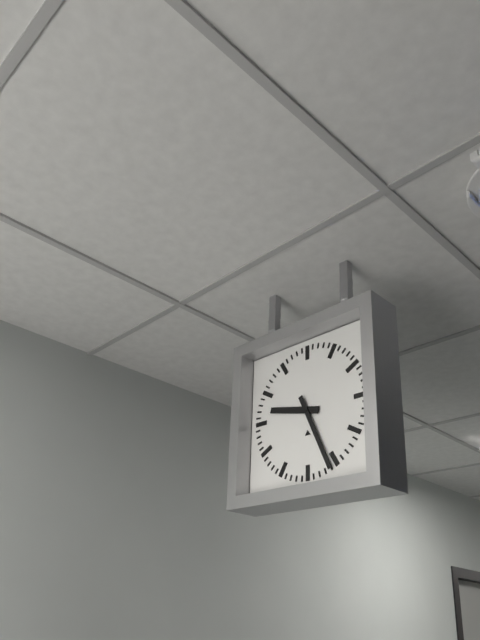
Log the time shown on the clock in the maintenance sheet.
9:26
